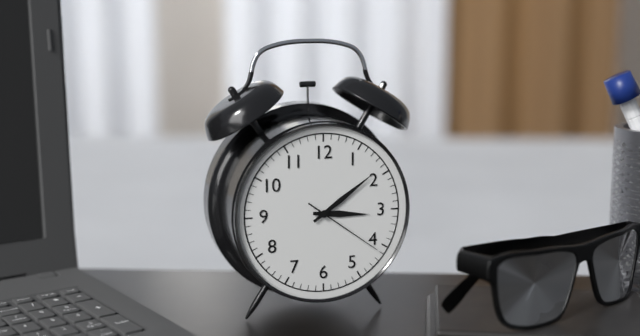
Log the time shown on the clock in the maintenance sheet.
3:09:21
